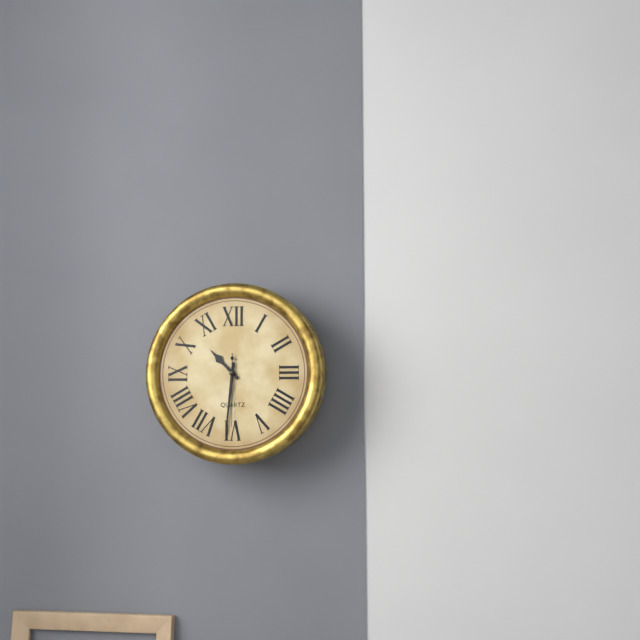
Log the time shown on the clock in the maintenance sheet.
10:31:30
